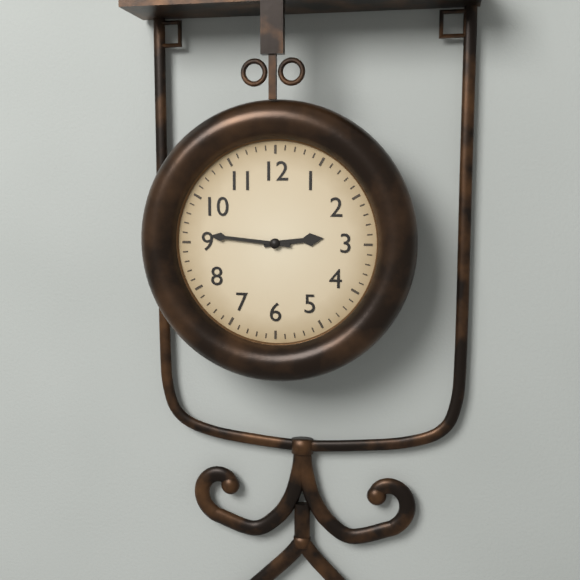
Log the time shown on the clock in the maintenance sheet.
2:46
